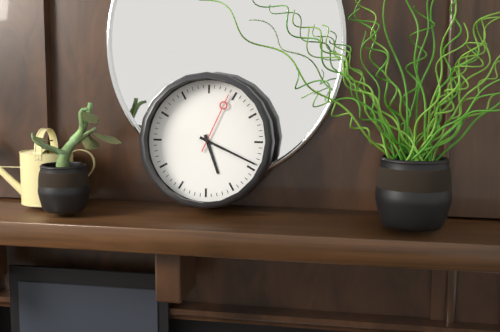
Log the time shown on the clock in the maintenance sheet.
5:19:04
